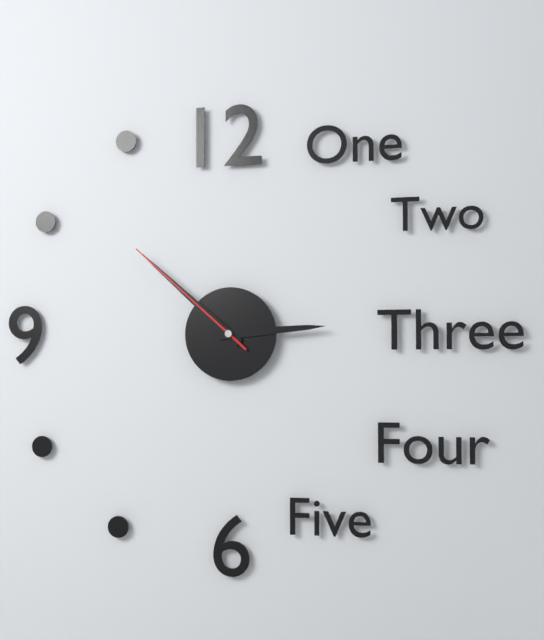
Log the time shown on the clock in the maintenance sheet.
2:52:52
